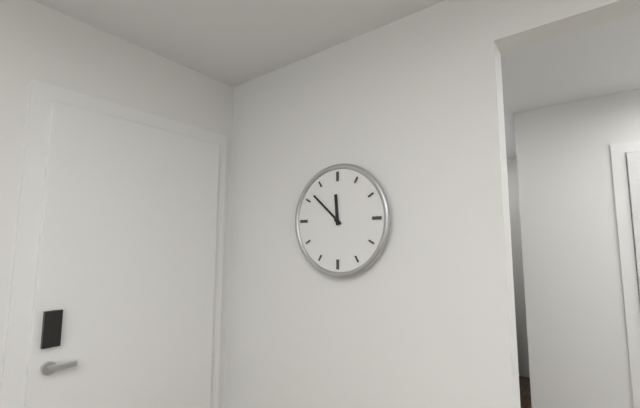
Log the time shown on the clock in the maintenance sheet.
11:52
